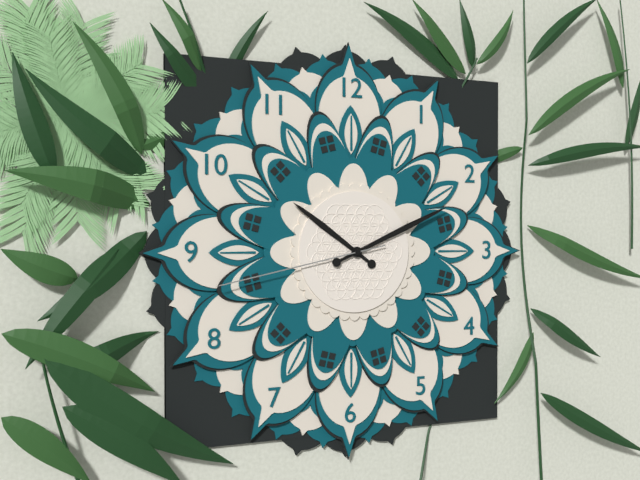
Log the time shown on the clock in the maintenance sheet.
10:11:43
